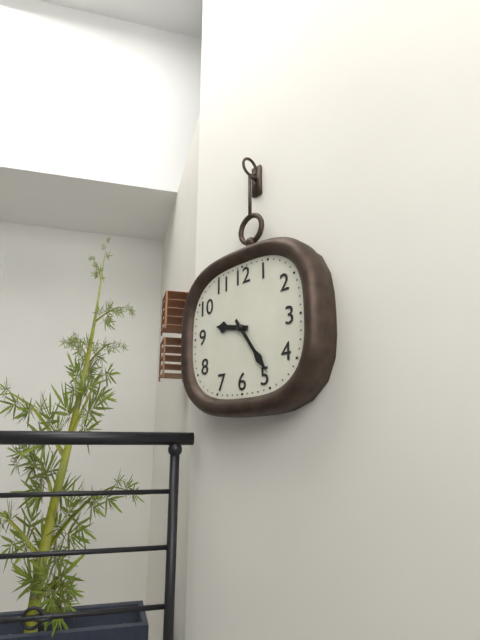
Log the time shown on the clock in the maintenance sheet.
9:24
